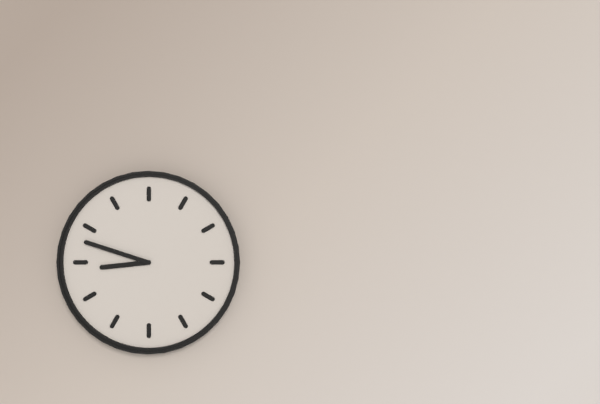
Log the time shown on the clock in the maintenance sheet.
8:48
